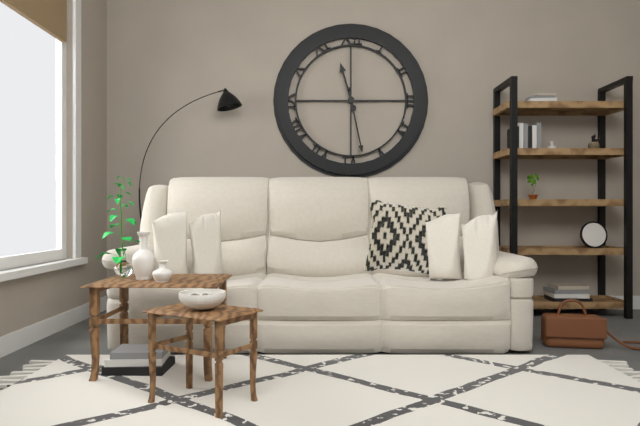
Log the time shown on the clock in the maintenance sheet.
11:28
